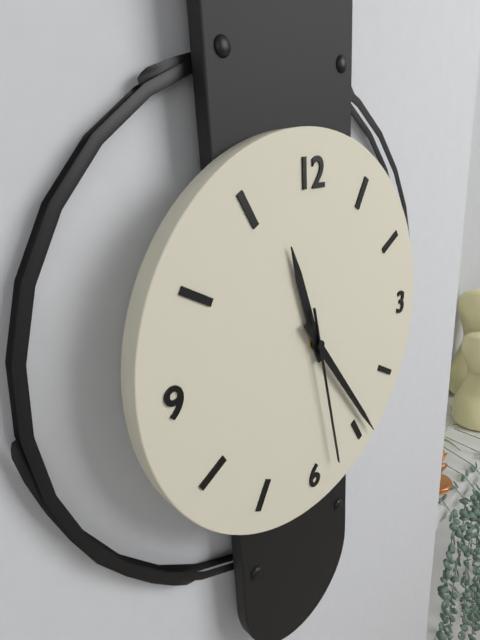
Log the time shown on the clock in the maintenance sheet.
11:24:28
